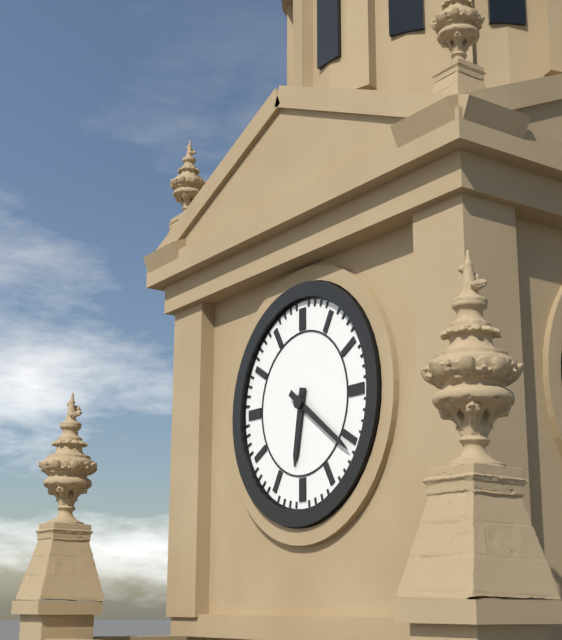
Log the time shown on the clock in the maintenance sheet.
6:21
